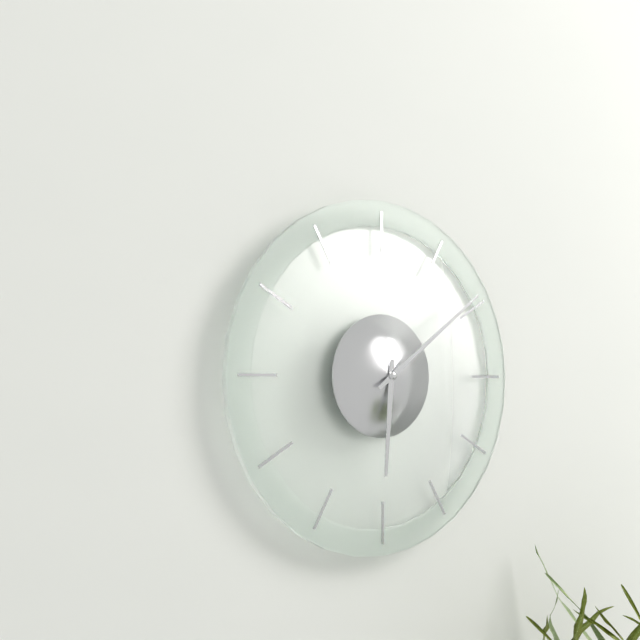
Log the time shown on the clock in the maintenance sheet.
6:09
